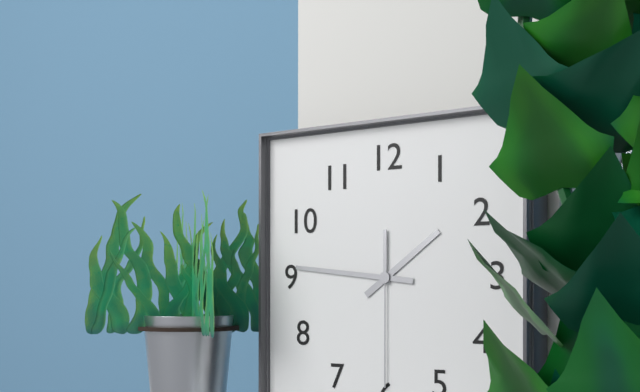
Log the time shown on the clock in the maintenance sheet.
1:46:30
